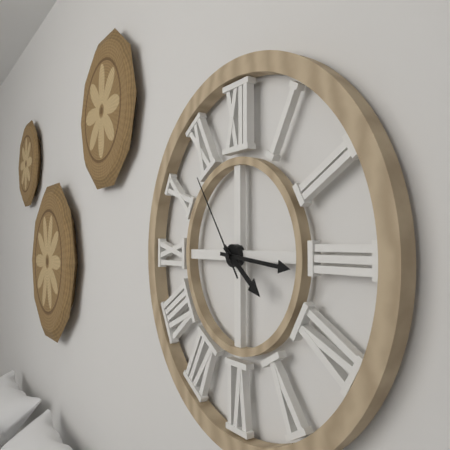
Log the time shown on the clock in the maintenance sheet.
4:16:54
